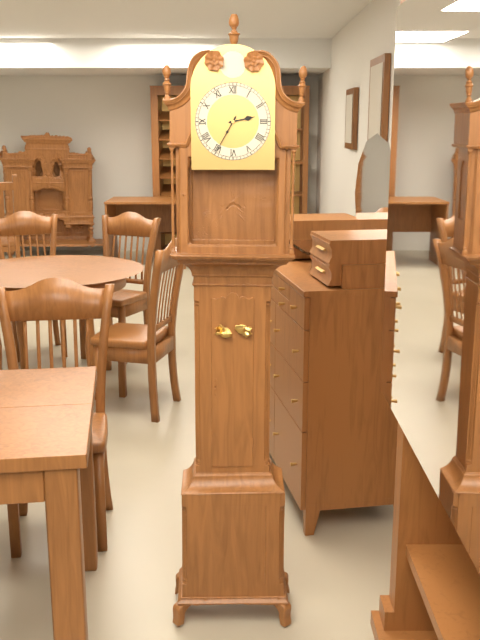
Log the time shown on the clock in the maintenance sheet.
2:35
